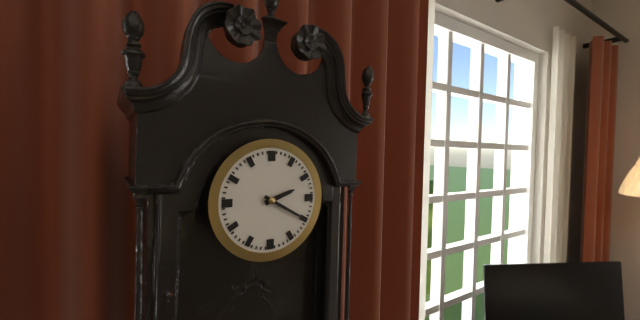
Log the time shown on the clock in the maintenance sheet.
2:20
